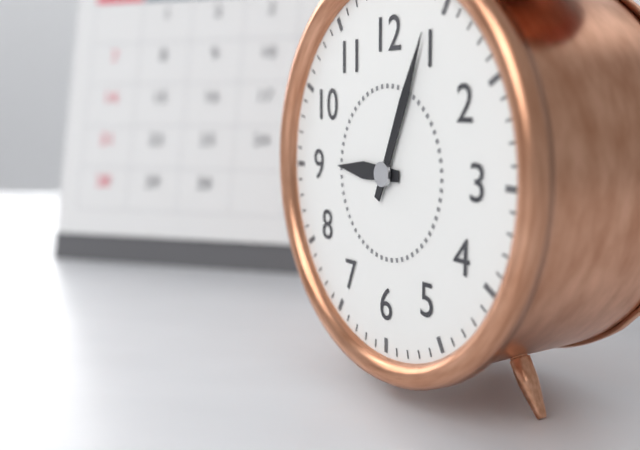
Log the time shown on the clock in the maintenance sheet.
9:04
